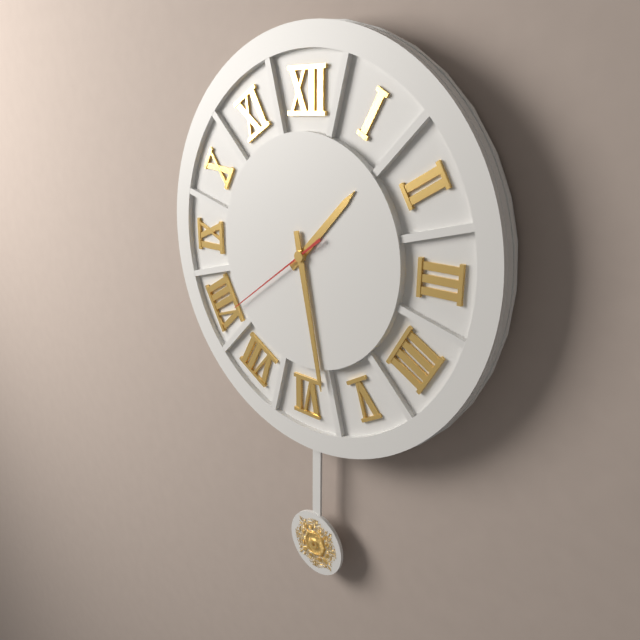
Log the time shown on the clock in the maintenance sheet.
1:28:39
